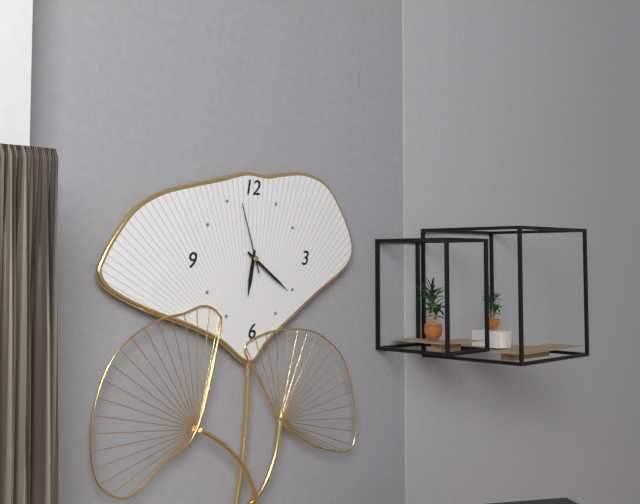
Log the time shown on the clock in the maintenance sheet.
6:21:57
